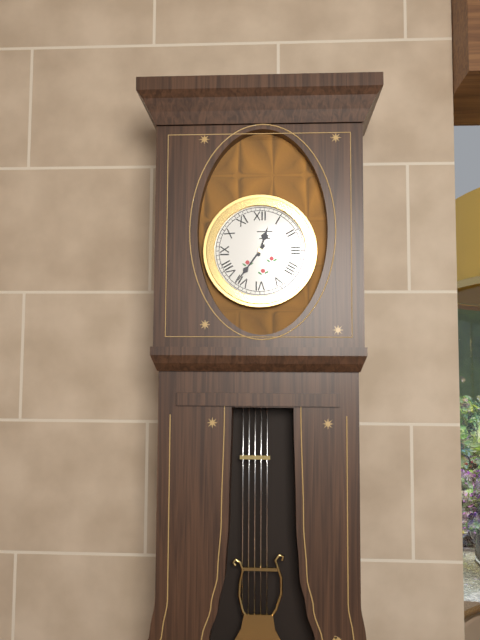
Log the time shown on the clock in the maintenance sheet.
12:36
